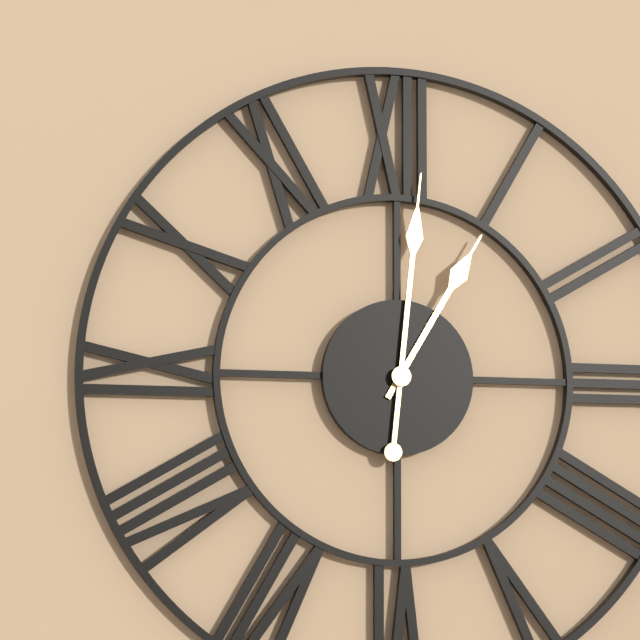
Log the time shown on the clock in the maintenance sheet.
1:01
